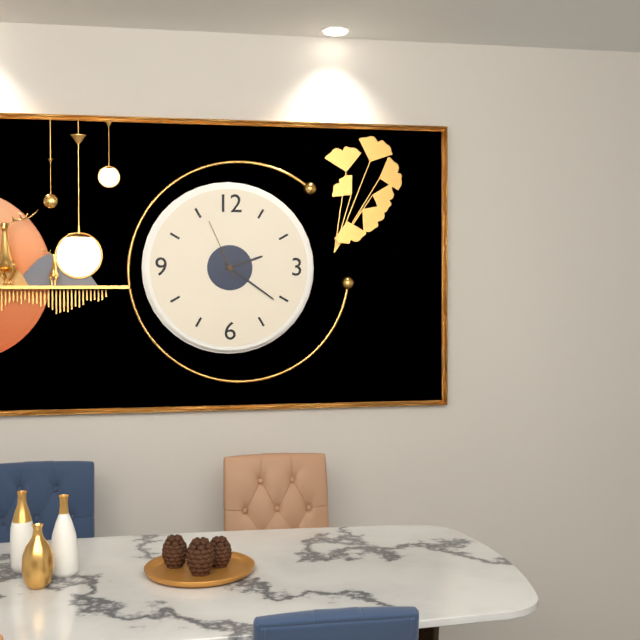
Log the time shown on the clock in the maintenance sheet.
2:21:56
